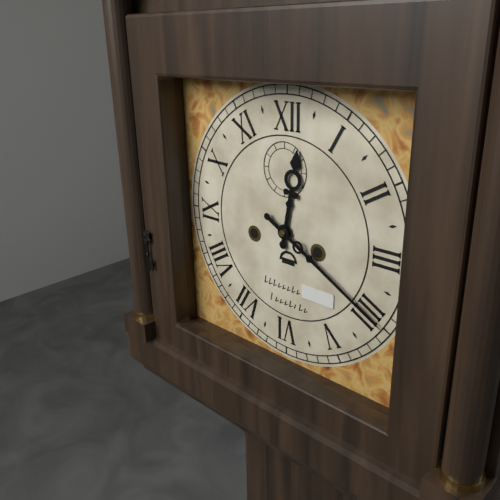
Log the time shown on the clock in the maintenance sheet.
12:20
